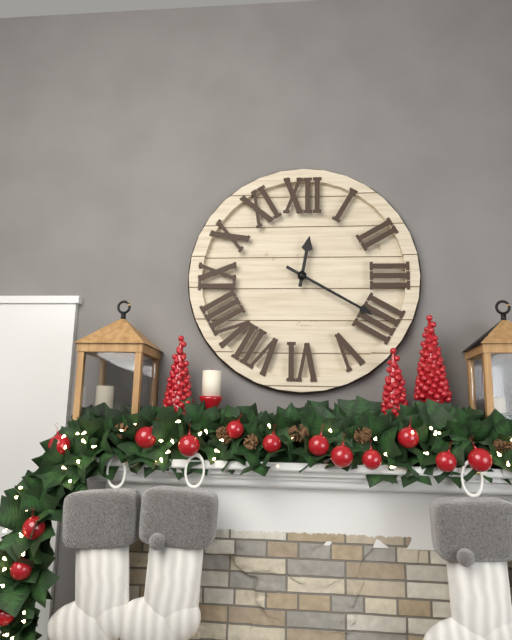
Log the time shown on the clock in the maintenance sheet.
12:20
